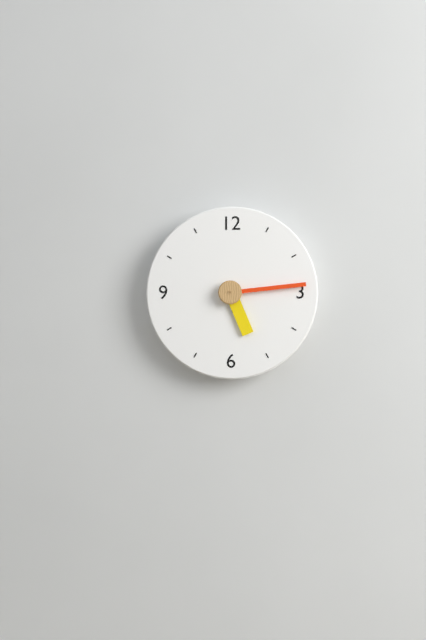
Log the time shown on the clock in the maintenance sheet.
5:14
